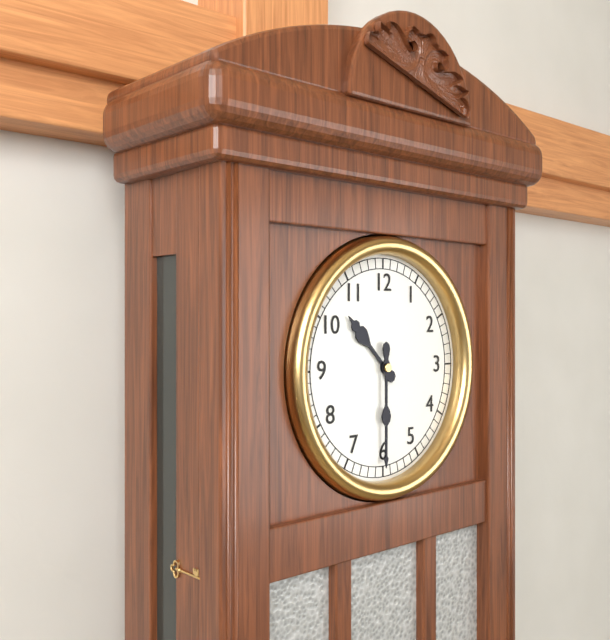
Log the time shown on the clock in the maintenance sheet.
10:30
